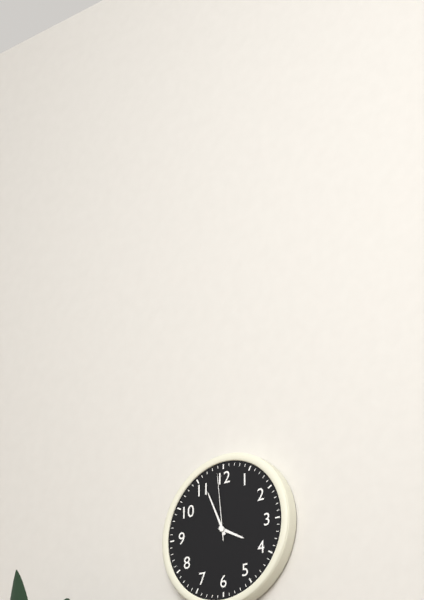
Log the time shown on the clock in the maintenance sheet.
3:56:59
